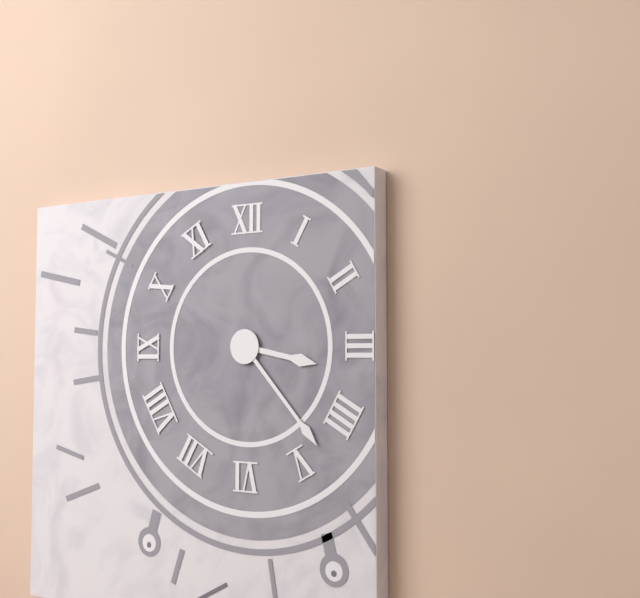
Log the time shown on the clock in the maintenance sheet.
3:23
